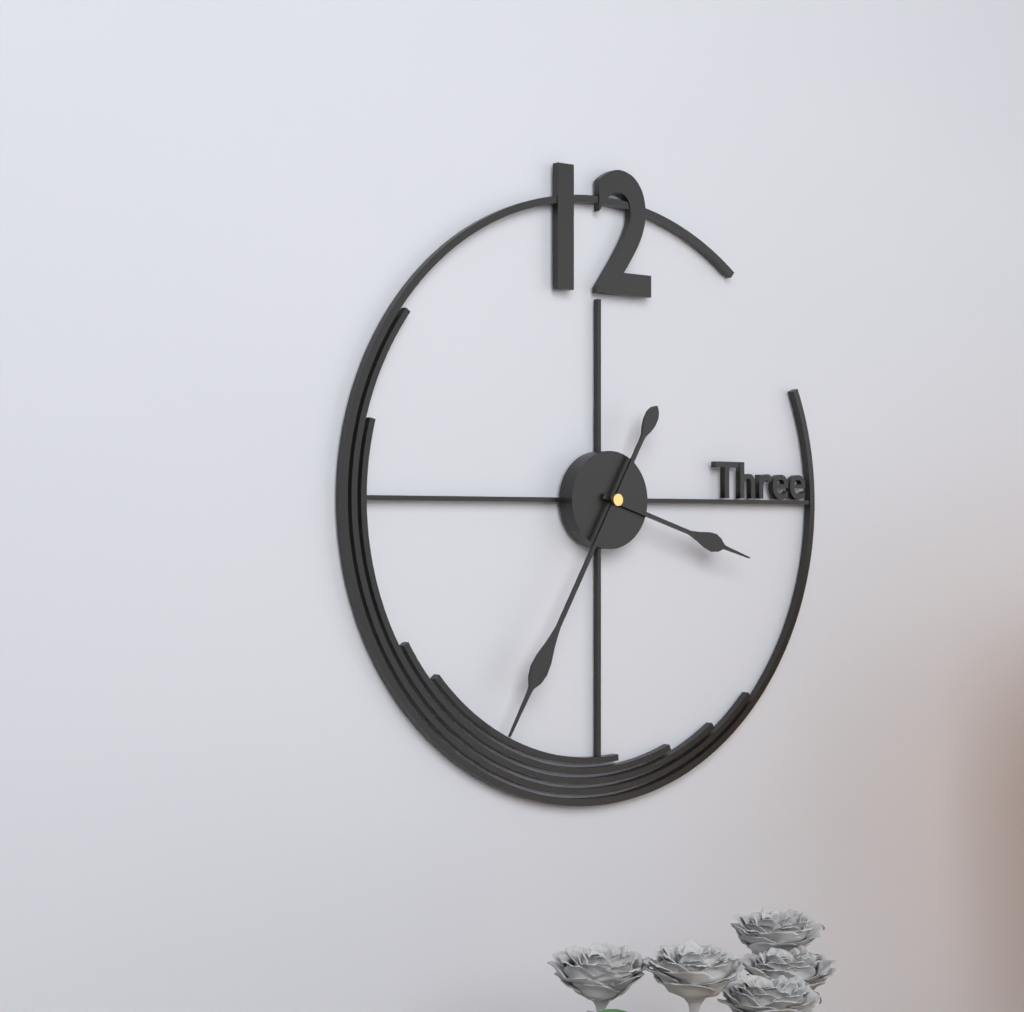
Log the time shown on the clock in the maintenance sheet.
3:35
